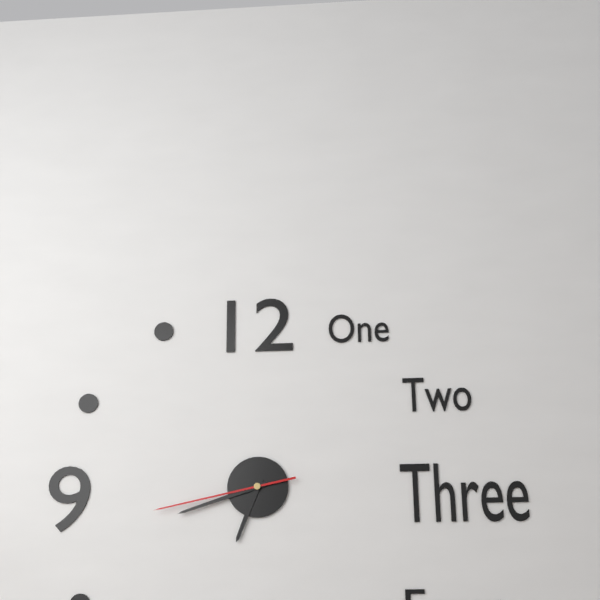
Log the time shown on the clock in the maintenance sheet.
6:42:43
